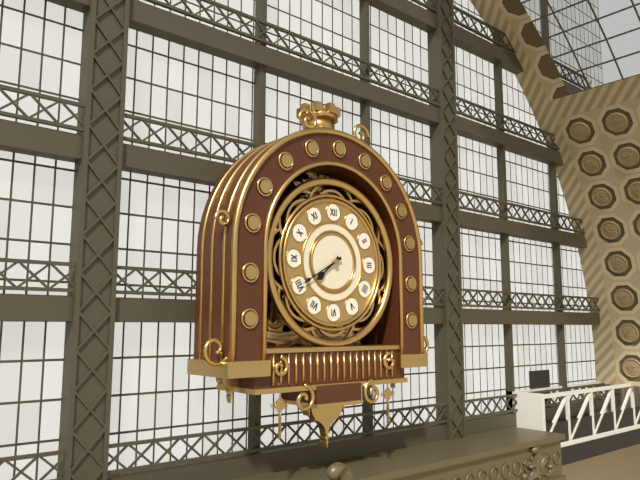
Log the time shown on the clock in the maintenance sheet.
7:40
